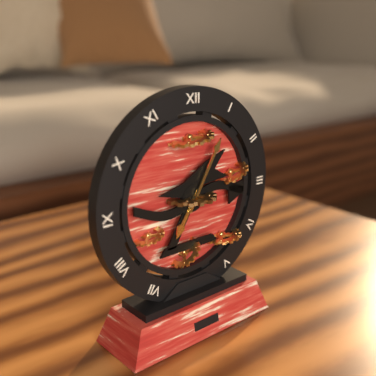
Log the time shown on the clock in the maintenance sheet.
7:05
